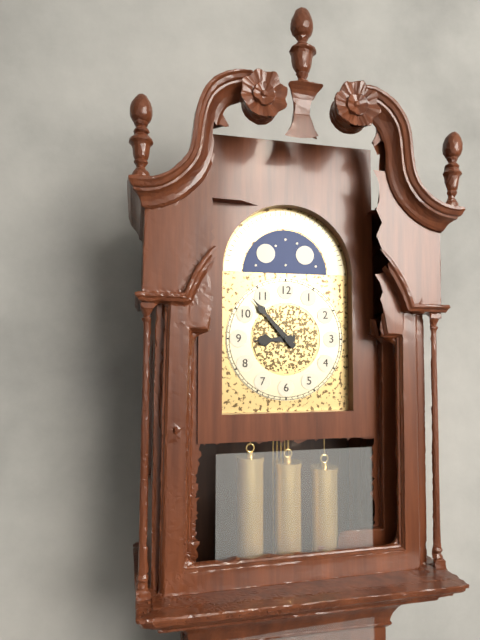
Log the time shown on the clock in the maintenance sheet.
8:53
